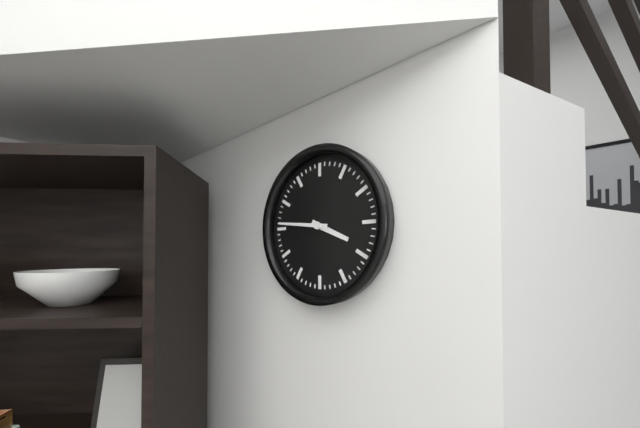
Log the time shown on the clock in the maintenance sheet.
3:46
